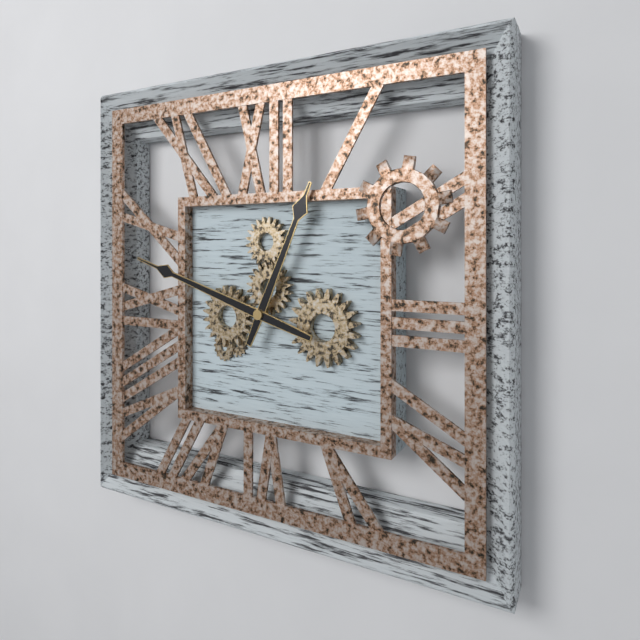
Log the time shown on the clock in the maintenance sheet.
12:48
